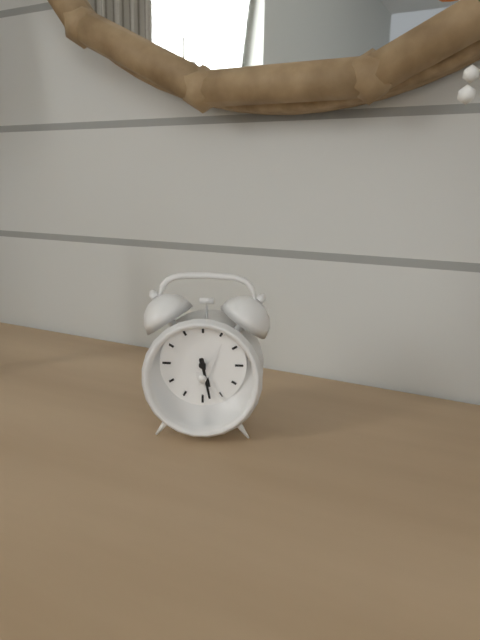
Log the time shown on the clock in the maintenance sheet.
5:28
